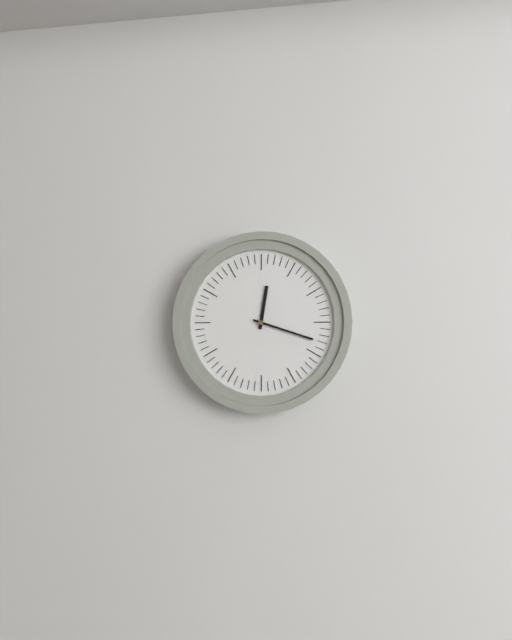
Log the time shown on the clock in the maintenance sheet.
12:18
